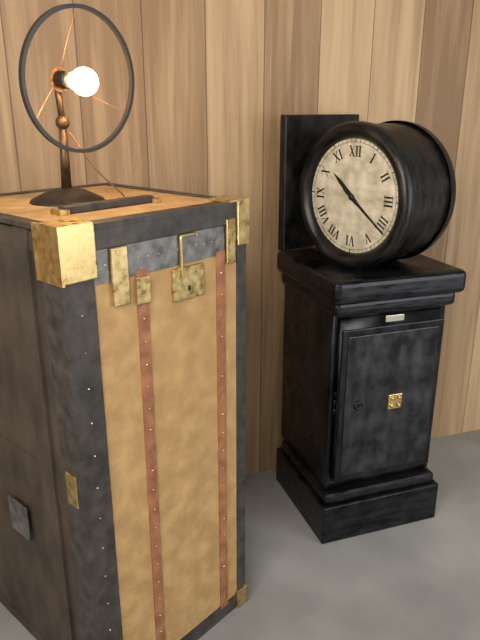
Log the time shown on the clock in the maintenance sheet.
10:21
